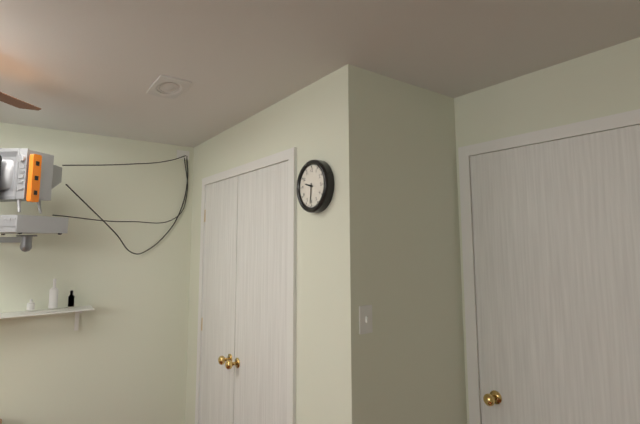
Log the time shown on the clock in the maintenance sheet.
9:31
